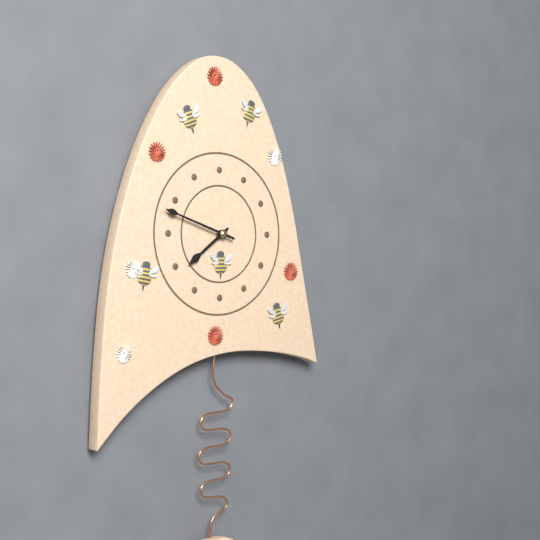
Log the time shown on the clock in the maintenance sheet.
7:48
